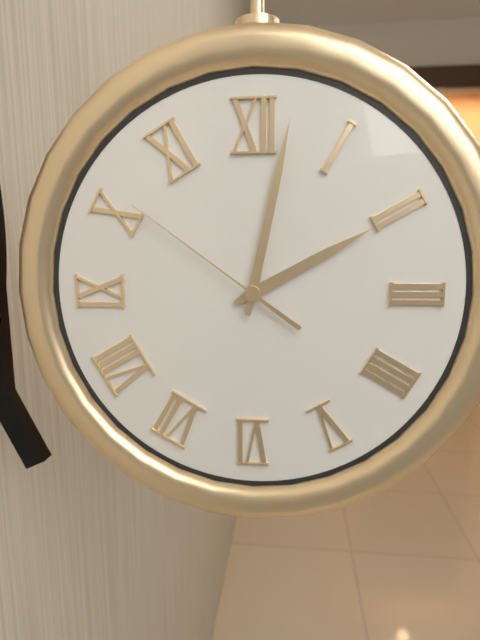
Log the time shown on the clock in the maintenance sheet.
2:02:51
